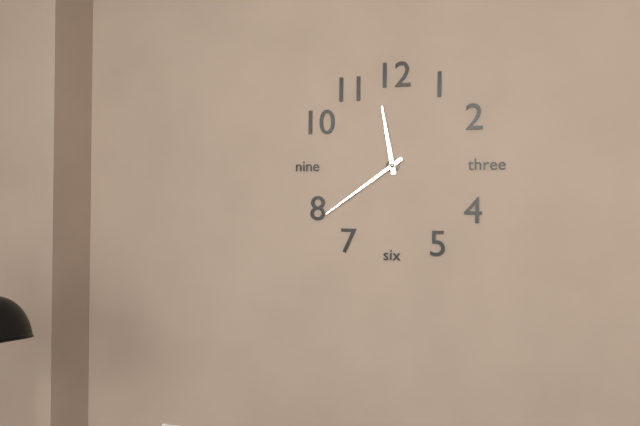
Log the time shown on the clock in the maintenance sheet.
11:39
